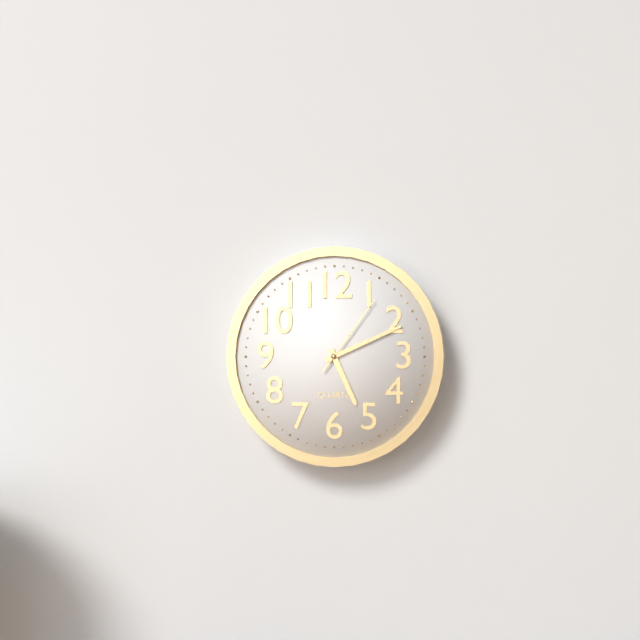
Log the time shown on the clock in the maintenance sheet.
5:11:06
